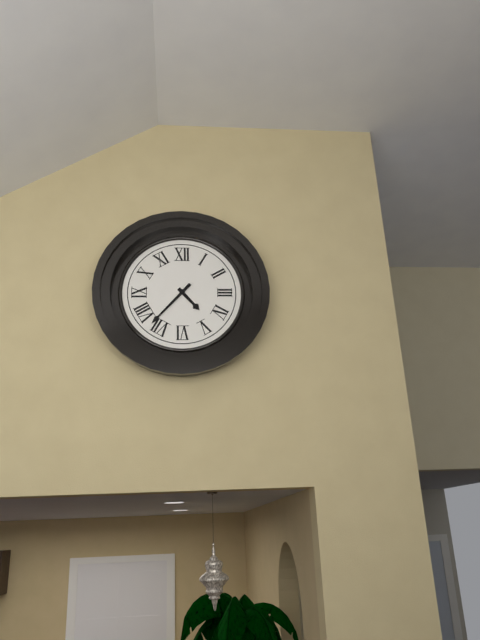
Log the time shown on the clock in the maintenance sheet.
4:37
